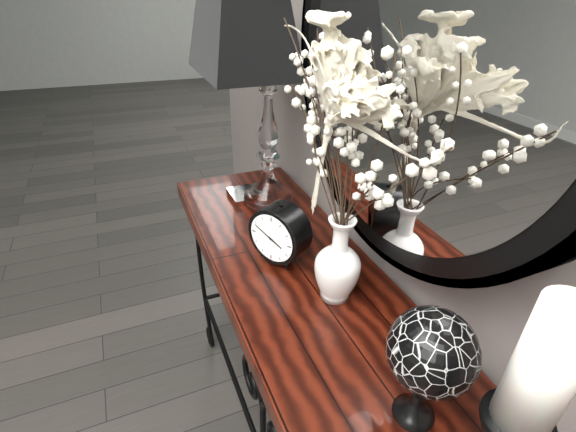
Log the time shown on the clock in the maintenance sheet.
3:49
